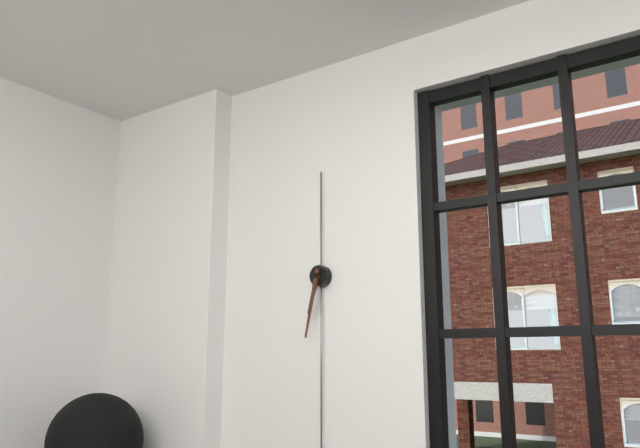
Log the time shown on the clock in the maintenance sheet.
6:32
